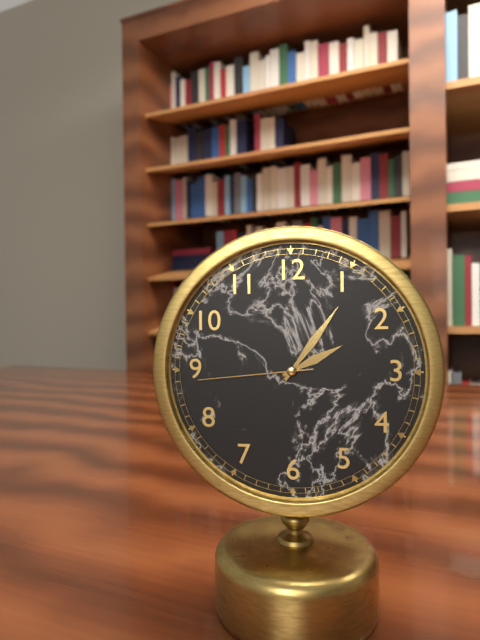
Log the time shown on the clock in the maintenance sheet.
2:06:44
